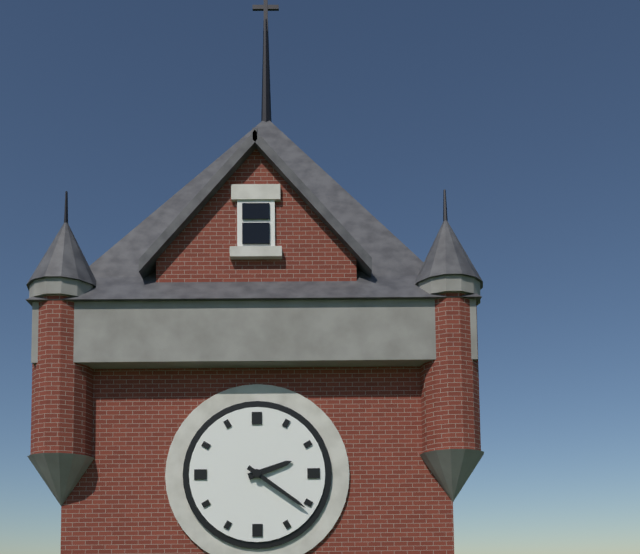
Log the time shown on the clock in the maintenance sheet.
2:21
